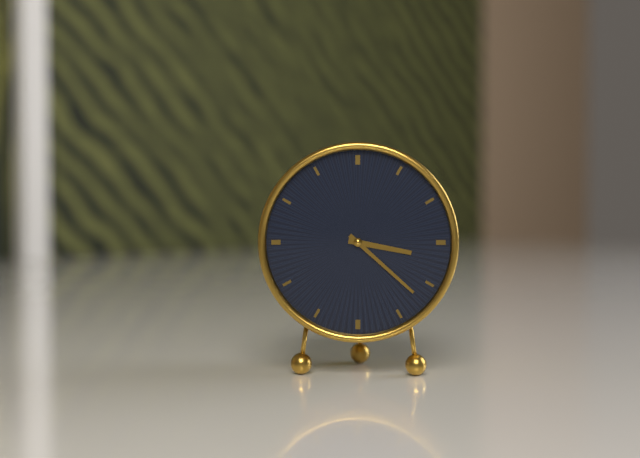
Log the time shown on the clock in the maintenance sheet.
3:22
